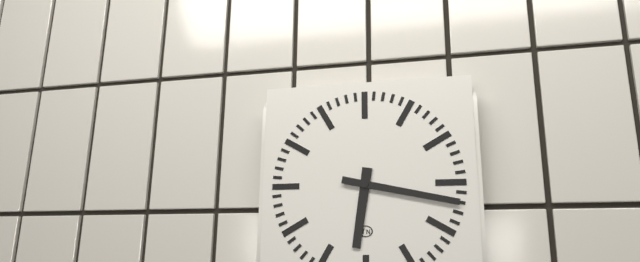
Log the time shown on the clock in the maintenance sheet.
6:17
